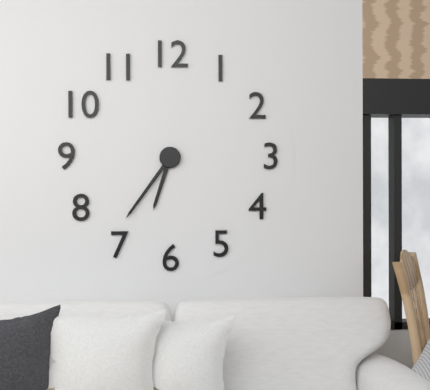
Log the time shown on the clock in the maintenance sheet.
6:36
